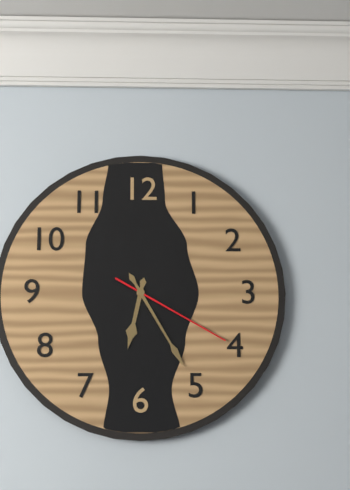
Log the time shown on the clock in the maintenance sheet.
6:25:20
